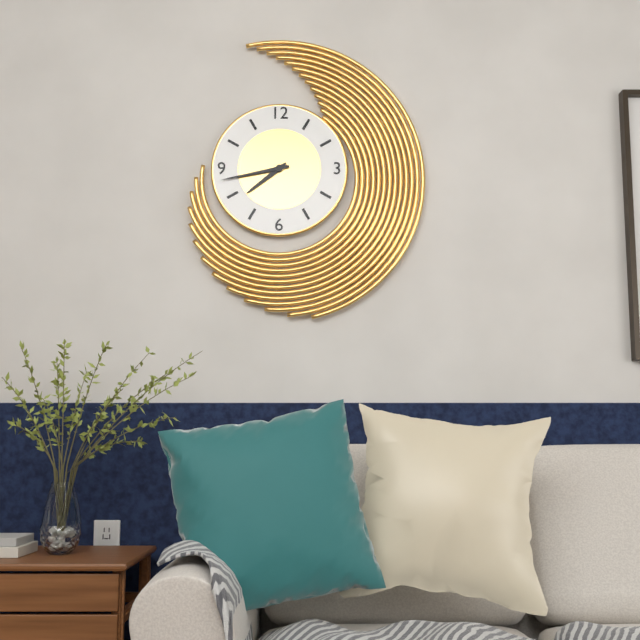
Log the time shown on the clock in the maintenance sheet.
7:43
